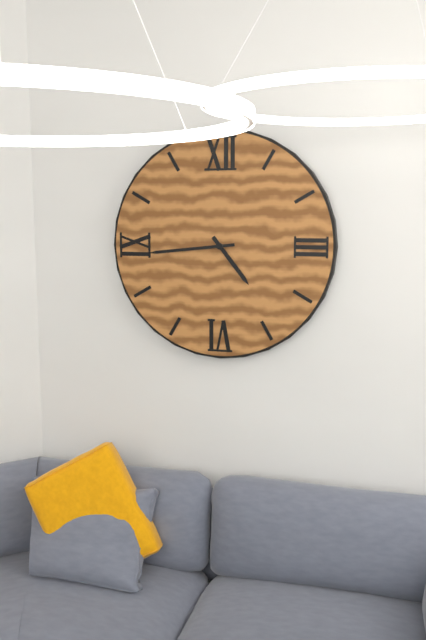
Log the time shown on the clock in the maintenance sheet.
4:44
